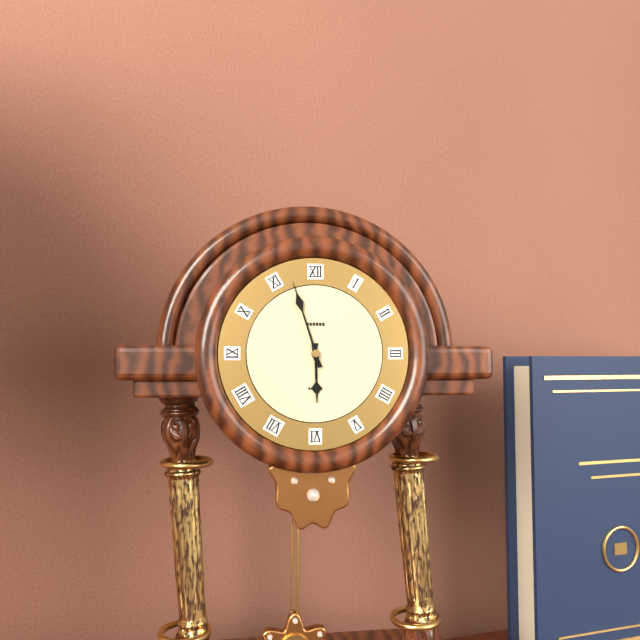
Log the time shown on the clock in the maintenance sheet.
5:57
